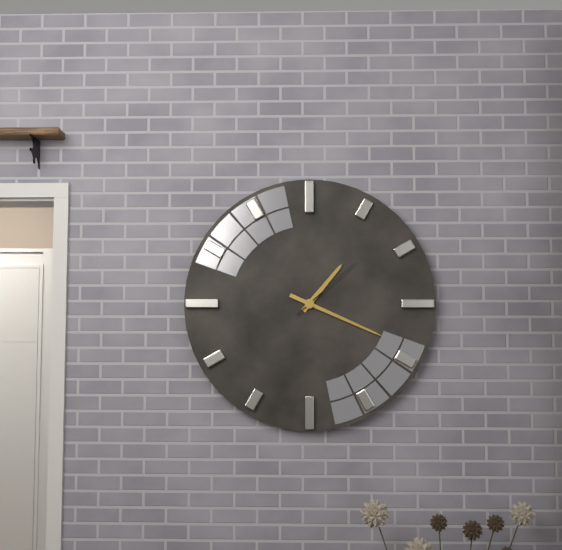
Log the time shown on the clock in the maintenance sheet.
1:19:08
